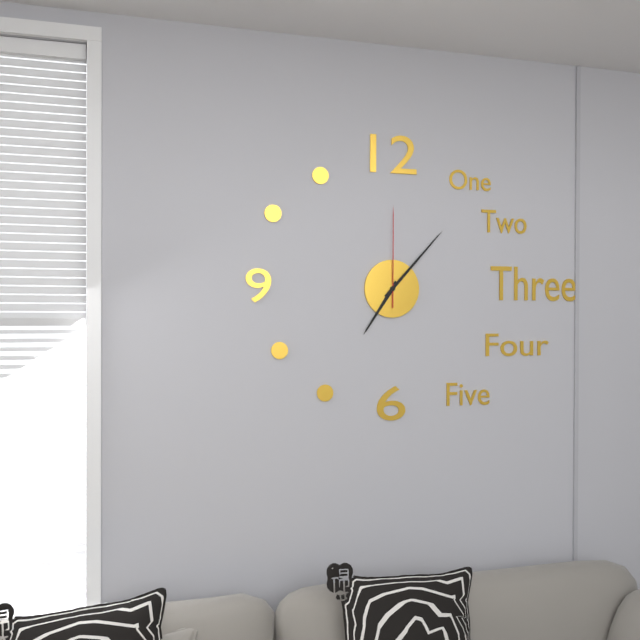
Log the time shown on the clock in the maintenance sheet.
7:07:00
